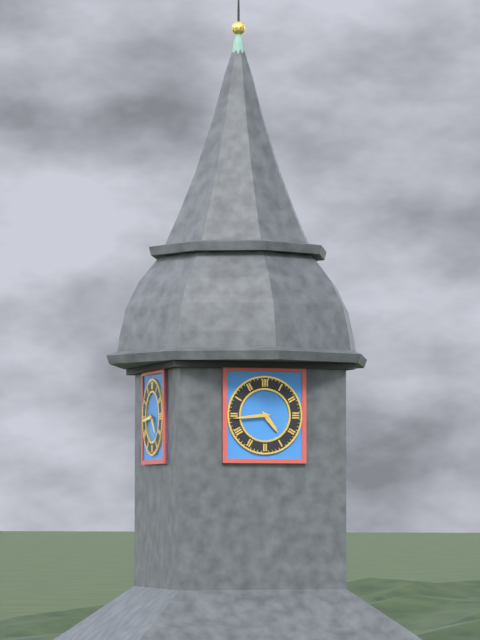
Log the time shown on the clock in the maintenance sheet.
4:44
